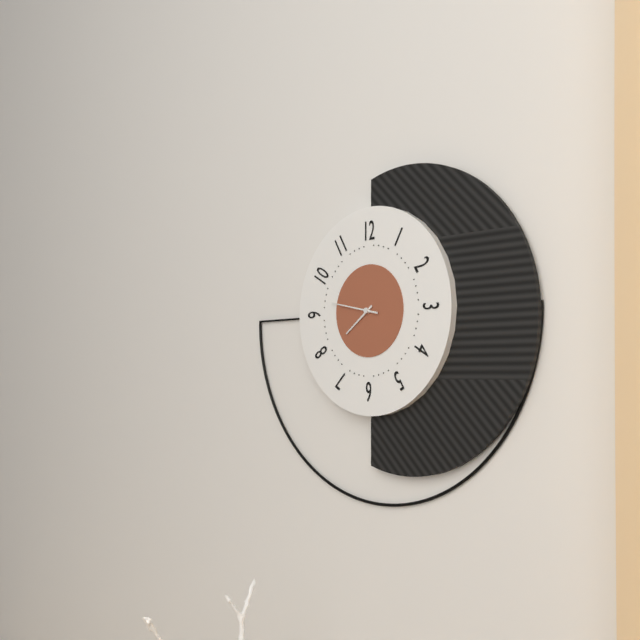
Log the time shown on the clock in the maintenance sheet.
7:47
